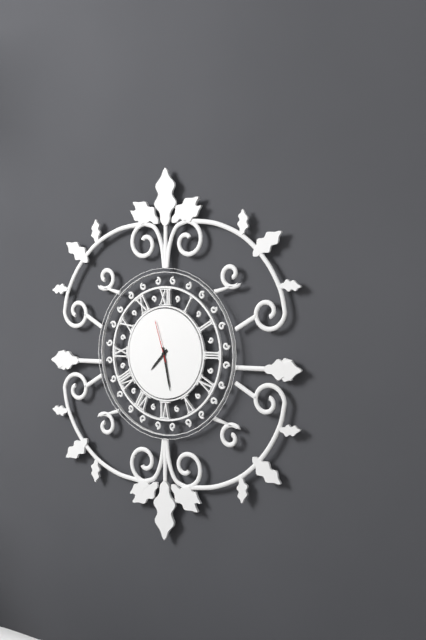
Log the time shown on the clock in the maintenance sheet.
7:28
